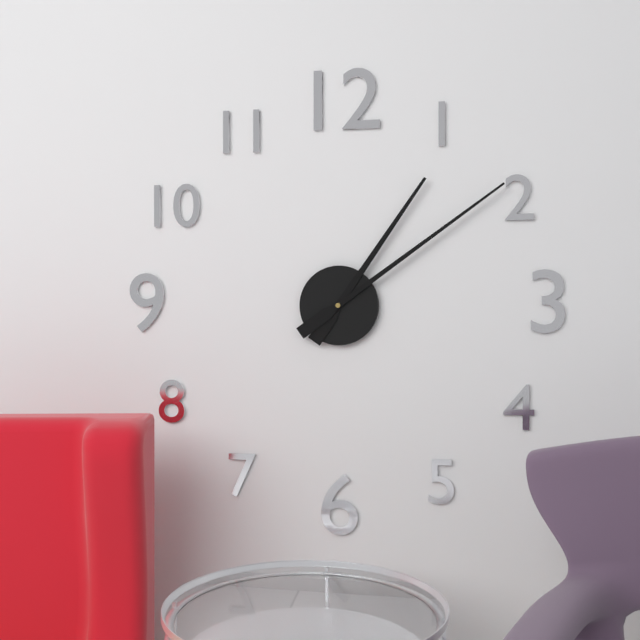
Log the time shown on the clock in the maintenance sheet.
1:09
